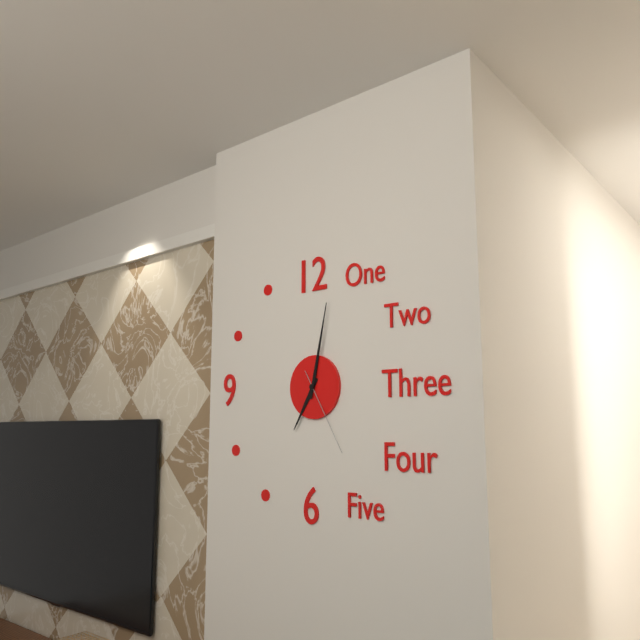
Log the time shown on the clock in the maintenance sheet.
7:02:25
